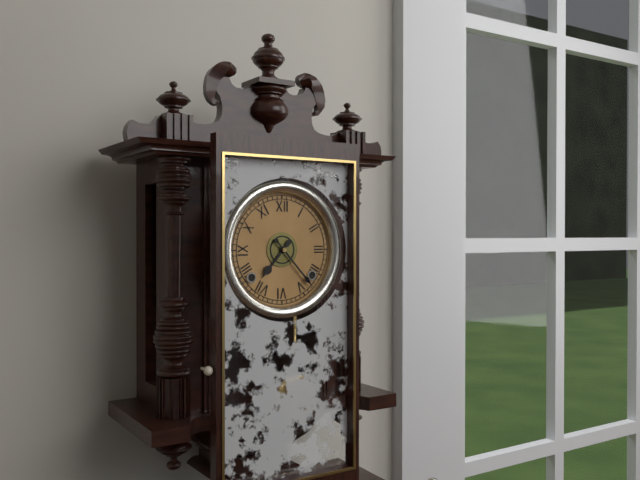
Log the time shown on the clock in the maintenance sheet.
7:23
